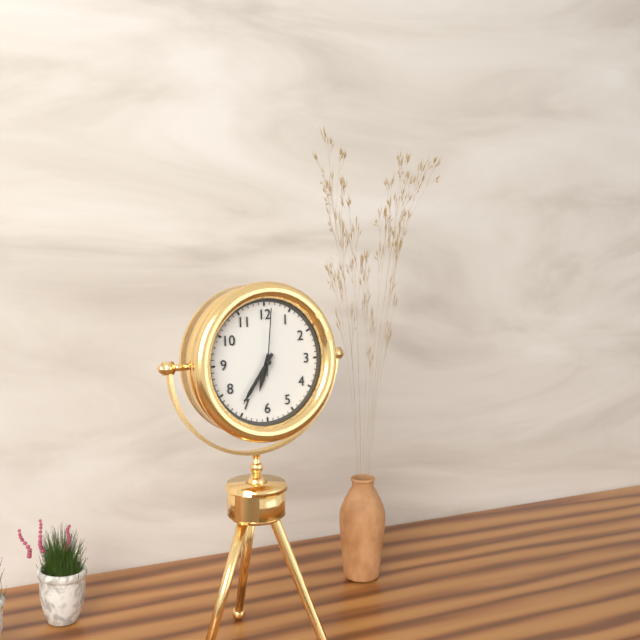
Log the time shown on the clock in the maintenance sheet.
6:36:01
